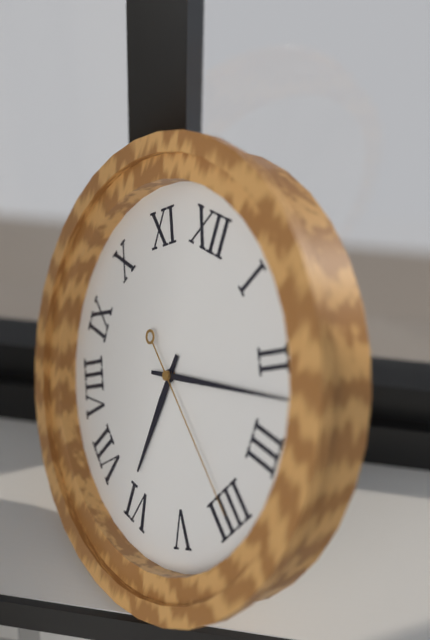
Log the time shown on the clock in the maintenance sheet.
6:12:20
